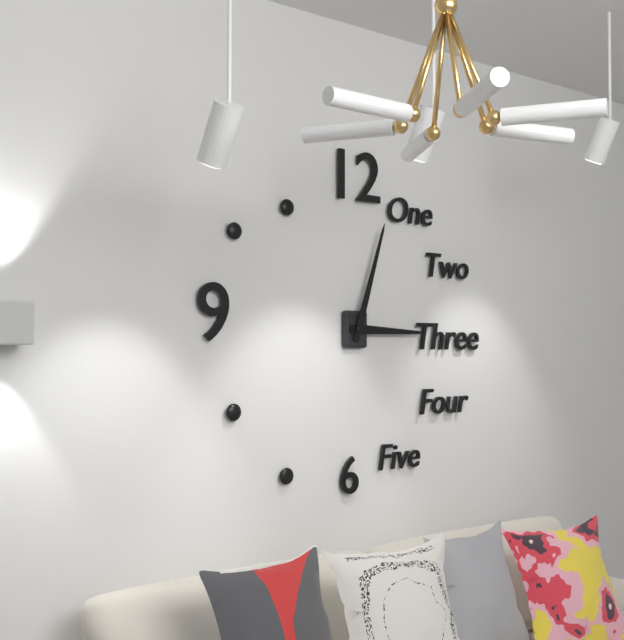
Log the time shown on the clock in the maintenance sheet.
3:03
